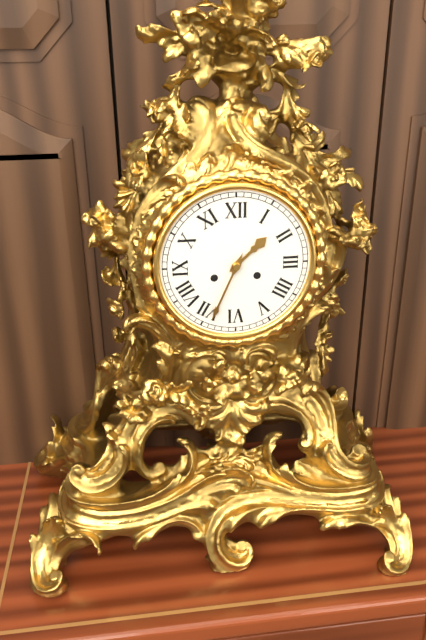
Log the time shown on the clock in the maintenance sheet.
1:34
